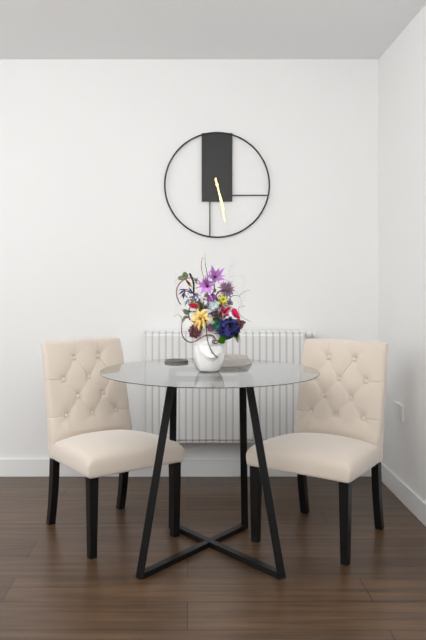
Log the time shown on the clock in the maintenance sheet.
5:28
